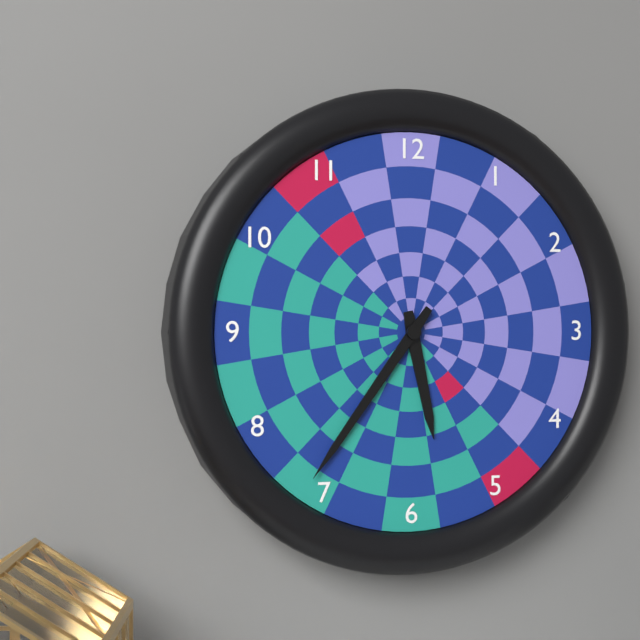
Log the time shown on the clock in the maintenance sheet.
5:36
